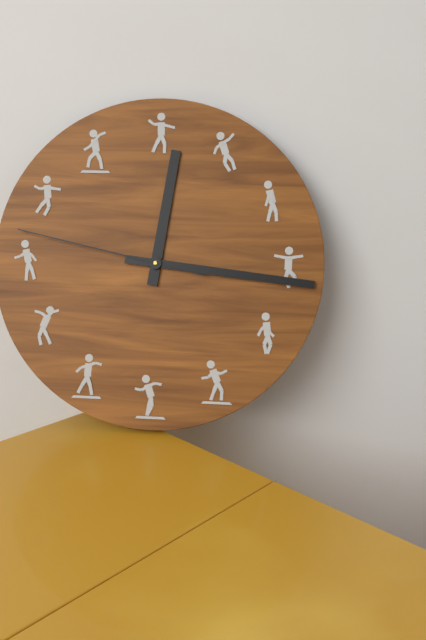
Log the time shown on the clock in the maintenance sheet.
12:16:47
